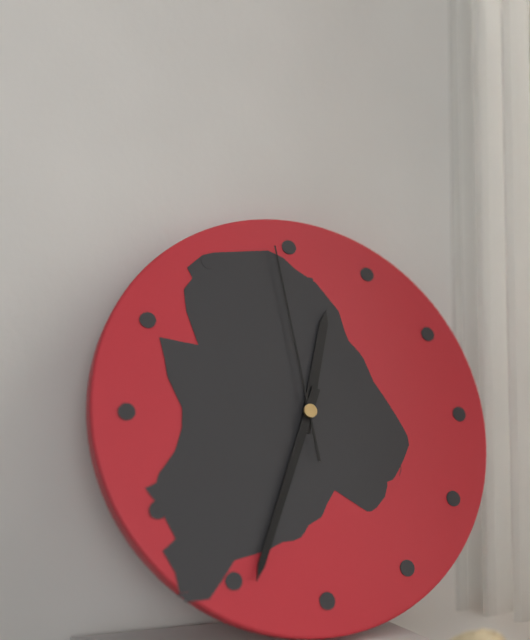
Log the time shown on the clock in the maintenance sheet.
12:34:59
